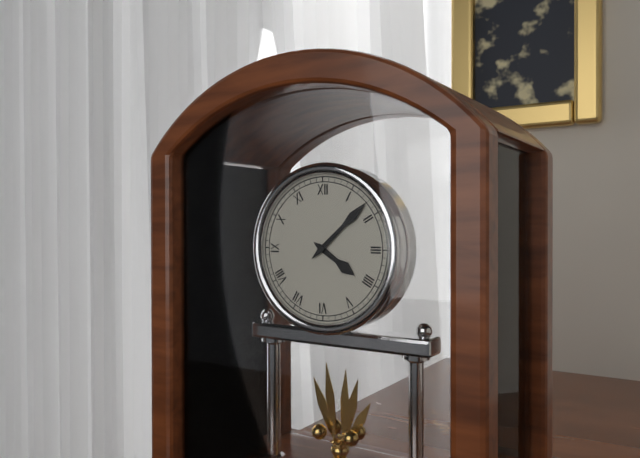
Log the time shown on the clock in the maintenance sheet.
4:08
